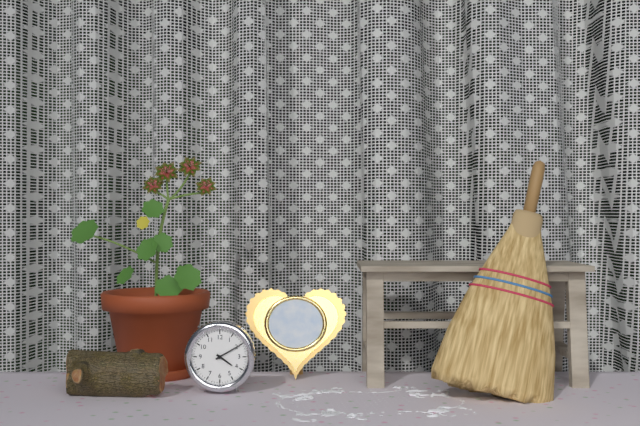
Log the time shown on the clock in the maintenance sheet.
4:10
